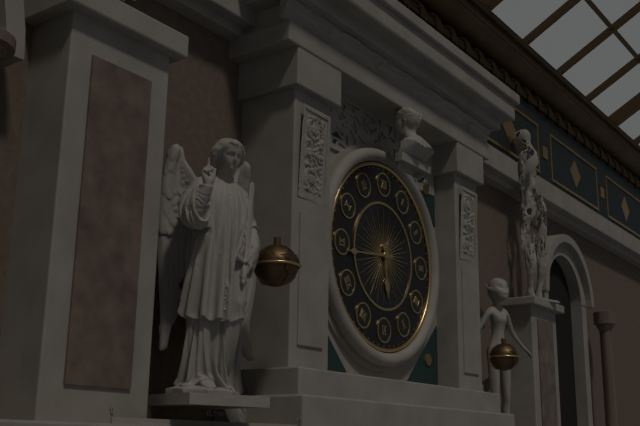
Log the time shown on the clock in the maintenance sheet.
5:44
